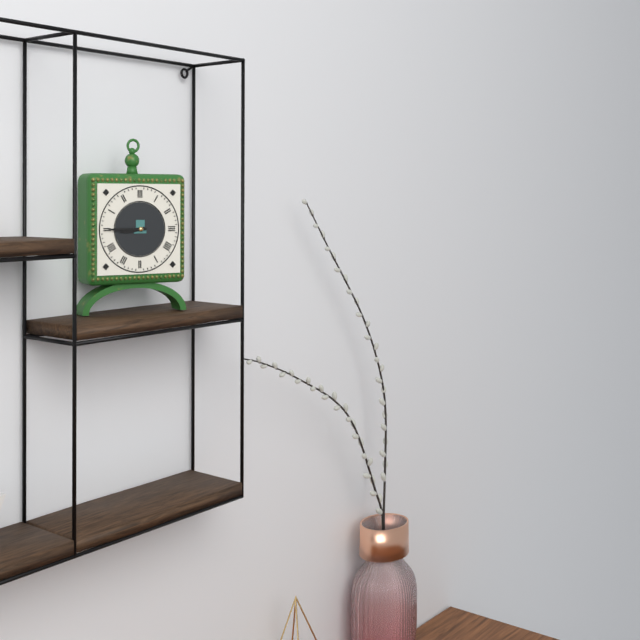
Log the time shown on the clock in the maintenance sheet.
8:45
